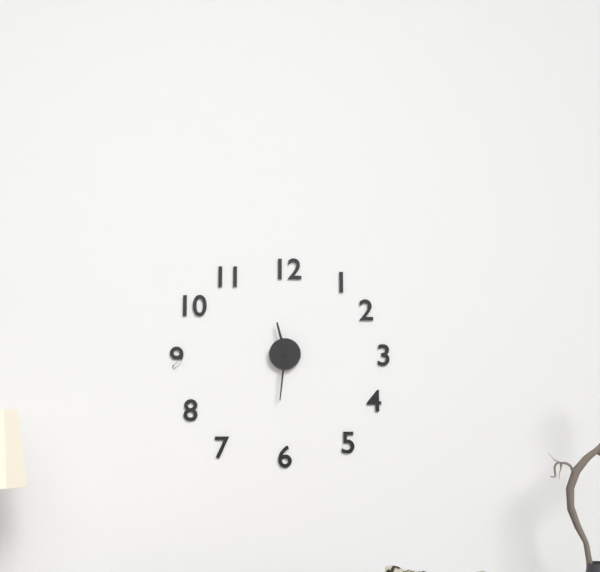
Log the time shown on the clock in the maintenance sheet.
11:31
